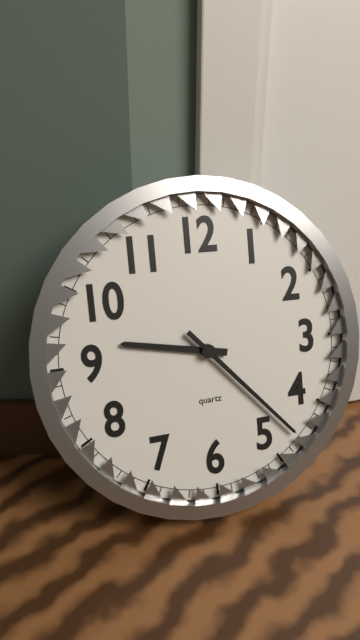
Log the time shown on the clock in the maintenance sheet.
9:23
